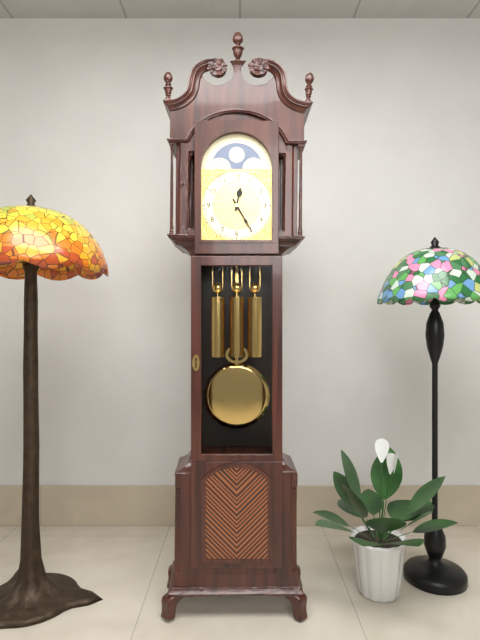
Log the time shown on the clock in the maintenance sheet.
12:25
